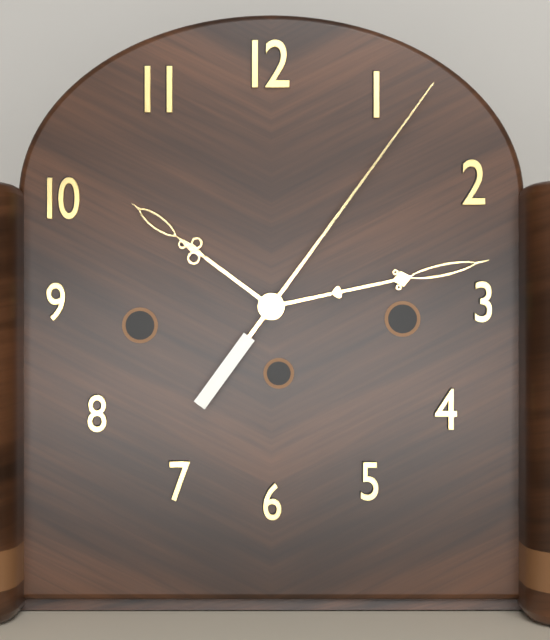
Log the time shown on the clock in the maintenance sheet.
10:13:06
